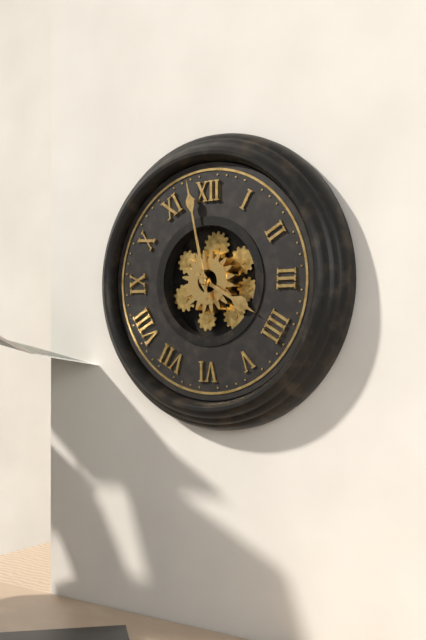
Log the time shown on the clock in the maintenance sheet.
3:58
